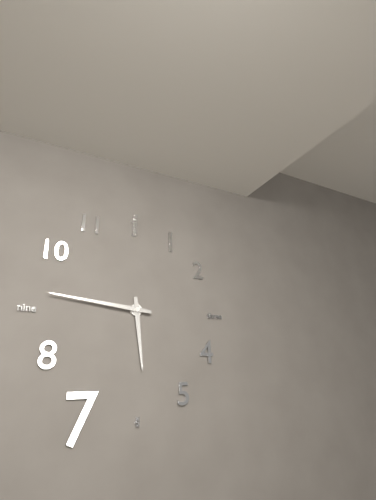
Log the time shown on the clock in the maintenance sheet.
5:46
